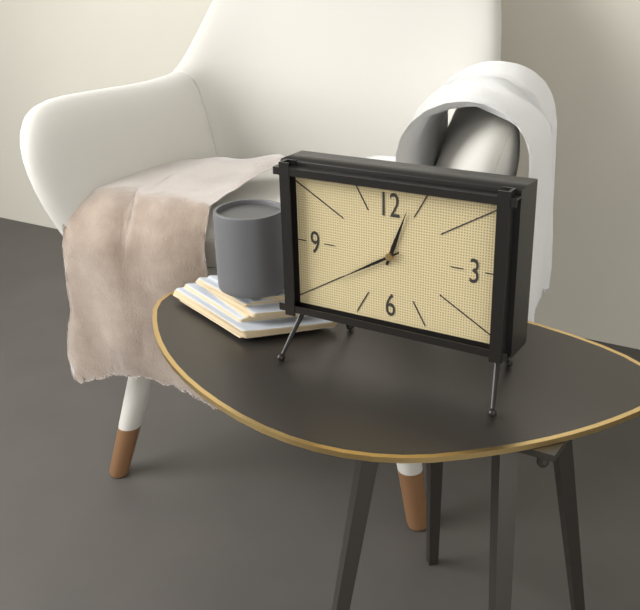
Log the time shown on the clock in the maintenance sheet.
12:40
